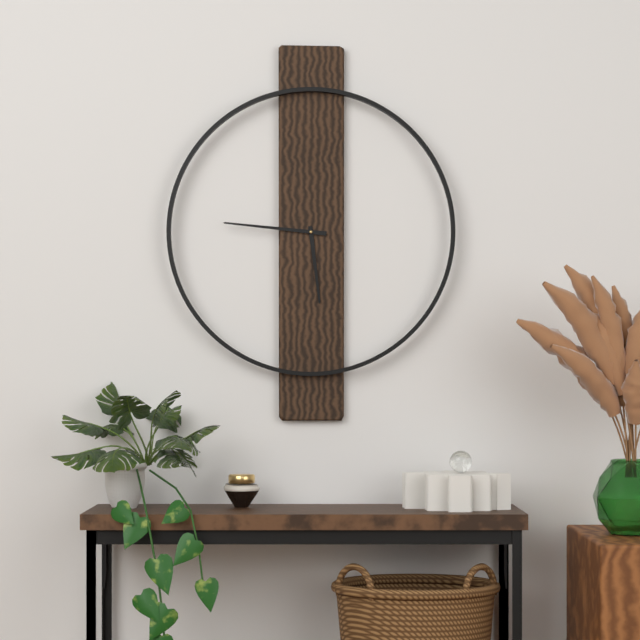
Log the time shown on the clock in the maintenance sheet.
5:46
